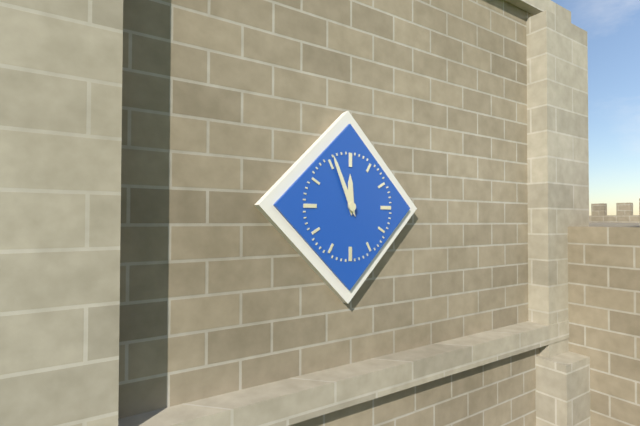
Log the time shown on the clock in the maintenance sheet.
11:56
